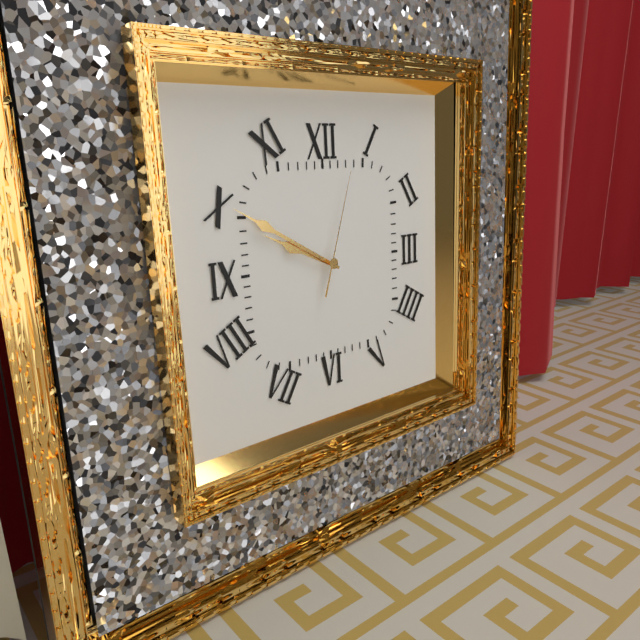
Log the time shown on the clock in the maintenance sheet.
9:50:03
